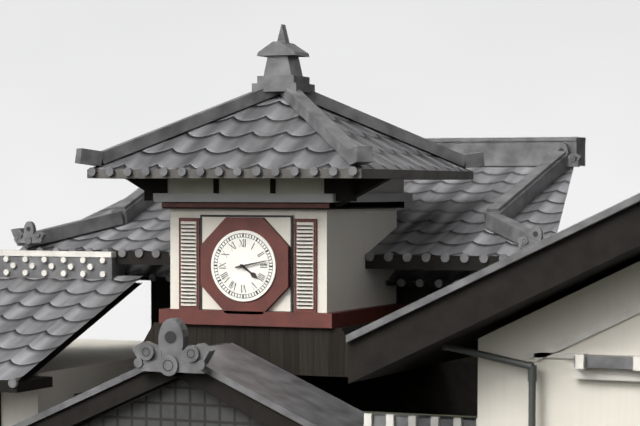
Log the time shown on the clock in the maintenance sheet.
4:13
